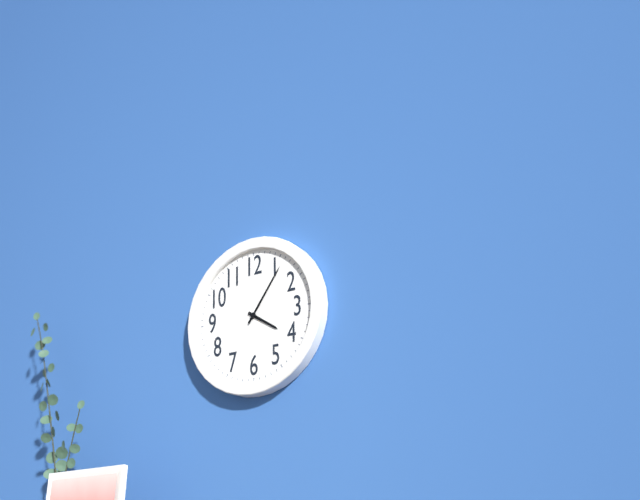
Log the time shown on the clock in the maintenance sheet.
4:06
